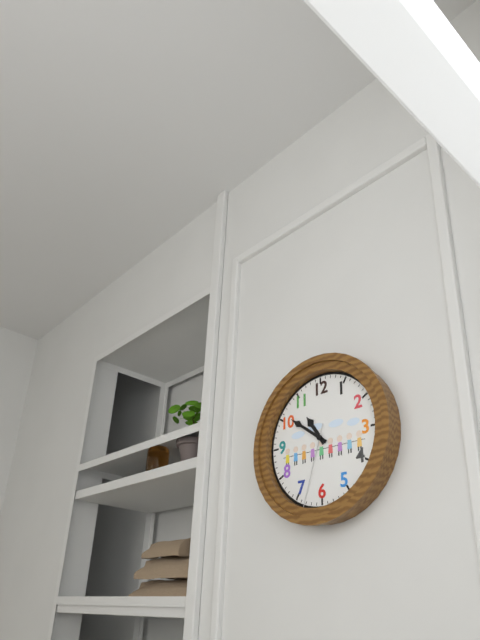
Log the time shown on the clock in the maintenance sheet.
10:51:33
